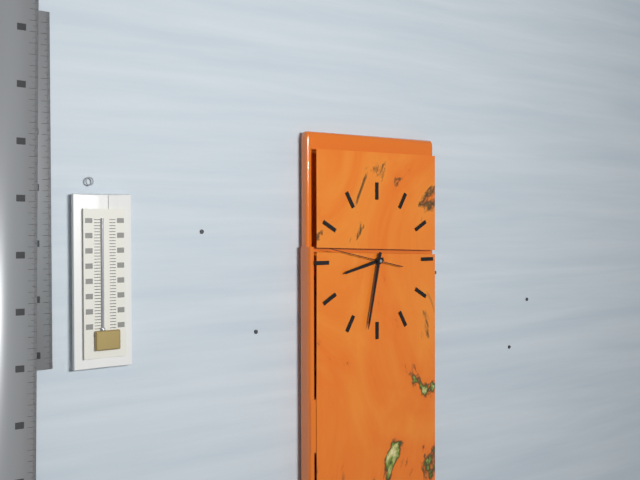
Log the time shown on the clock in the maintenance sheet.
8:32:47
